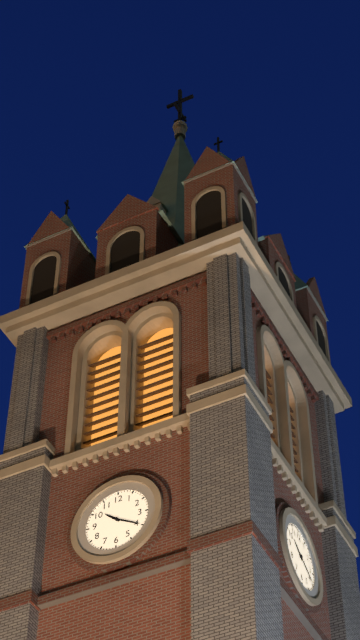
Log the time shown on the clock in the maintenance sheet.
10:20
